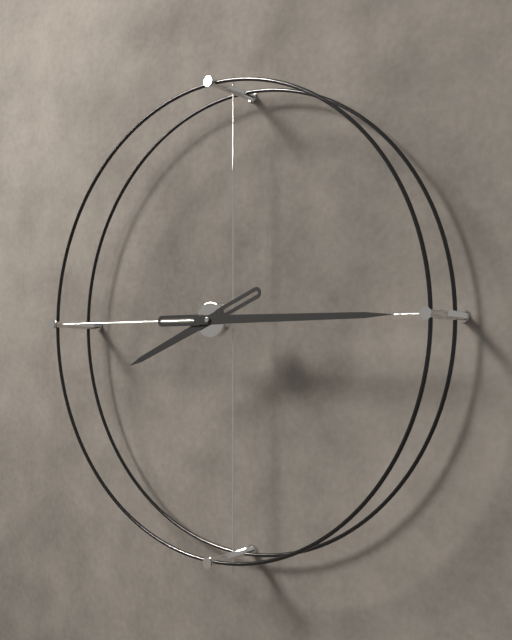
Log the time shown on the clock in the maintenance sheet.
8:15
